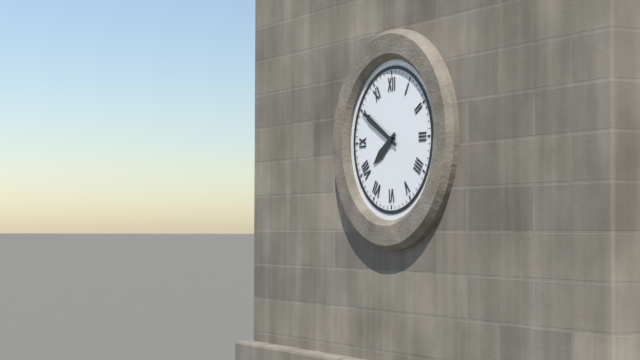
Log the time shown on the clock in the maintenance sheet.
7:50
